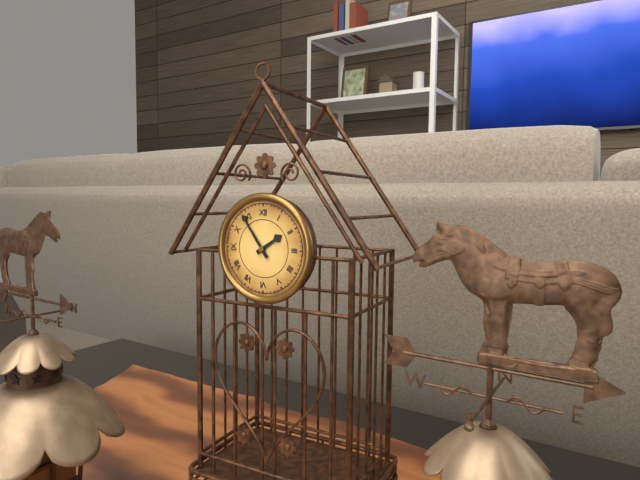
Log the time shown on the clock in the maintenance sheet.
1:54
